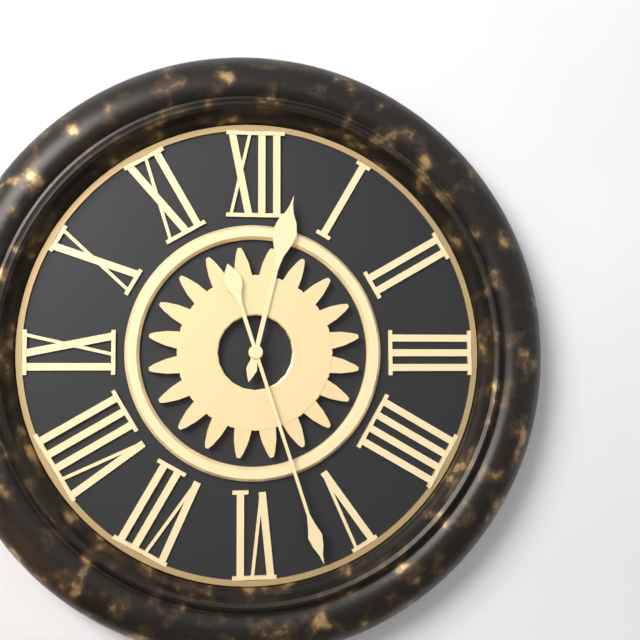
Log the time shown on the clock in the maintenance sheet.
12:27
